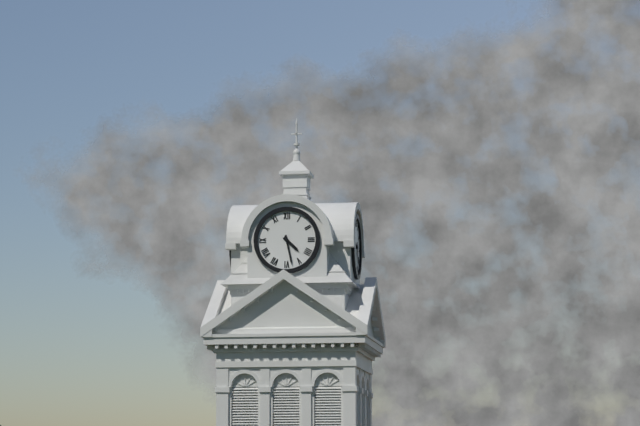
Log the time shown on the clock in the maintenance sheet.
4:28
